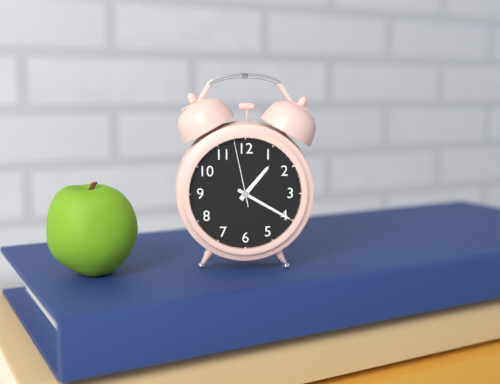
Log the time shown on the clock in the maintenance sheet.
1:20:58
